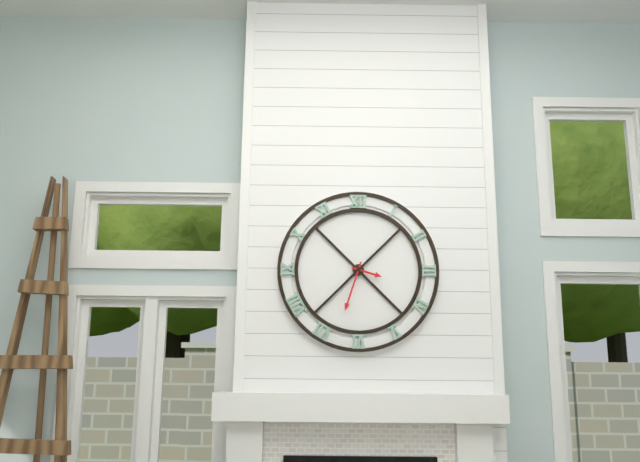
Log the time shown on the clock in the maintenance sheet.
3:33
